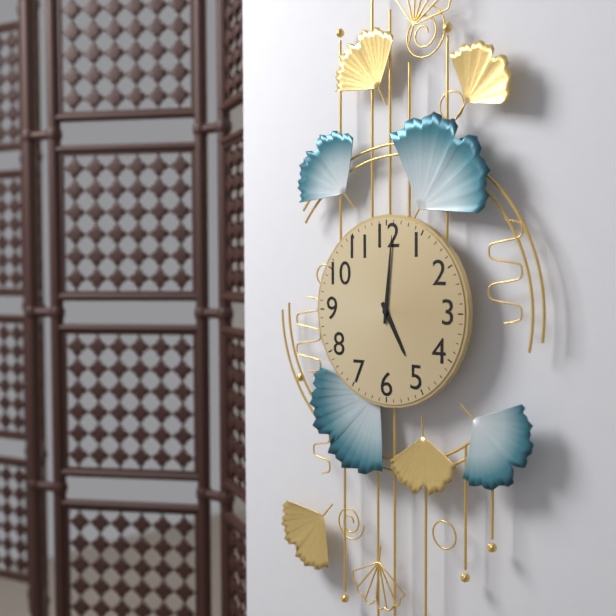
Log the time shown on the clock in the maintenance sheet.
5:01
